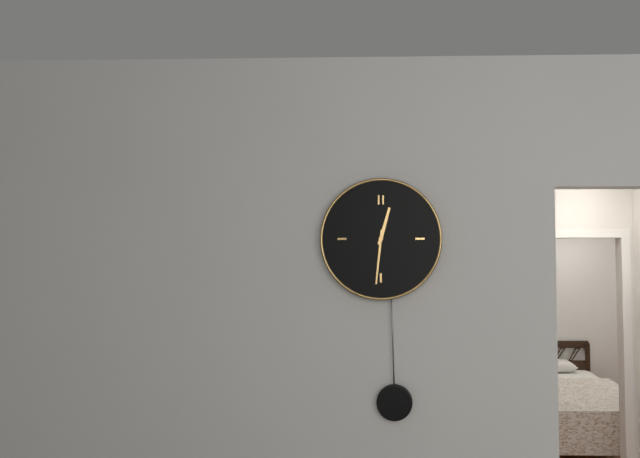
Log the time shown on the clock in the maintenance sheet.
12:31
